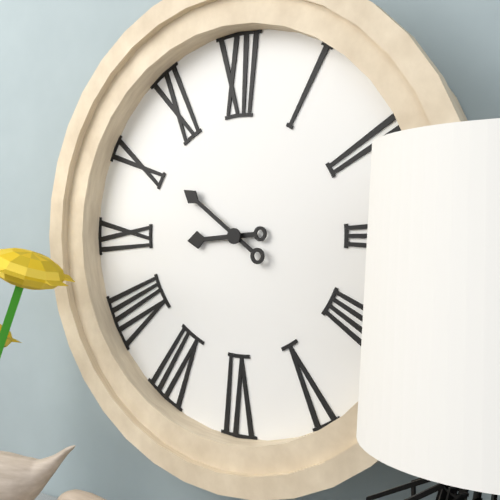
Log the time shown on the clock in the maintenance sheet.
8:51
